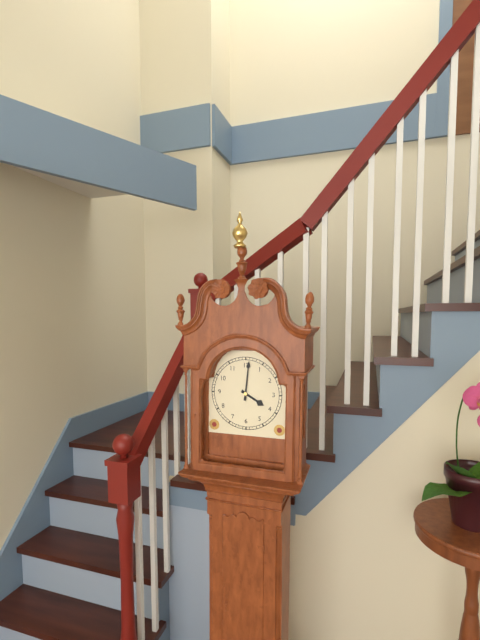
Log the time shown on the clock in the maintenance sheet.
4:01
